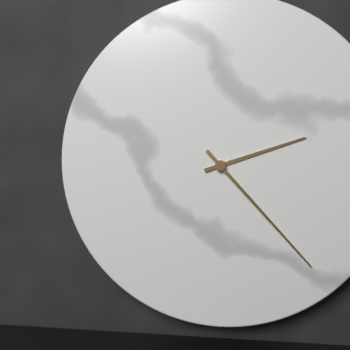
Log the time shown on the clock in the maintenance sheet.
2:23
